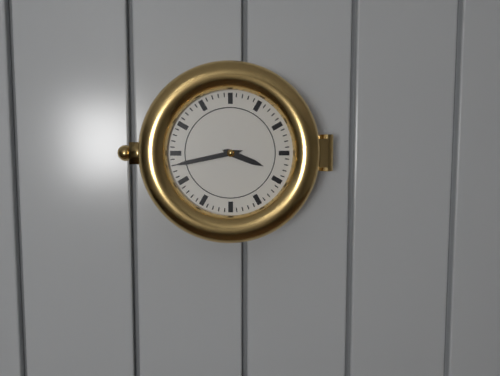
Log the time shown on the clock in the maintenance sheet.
3:43
